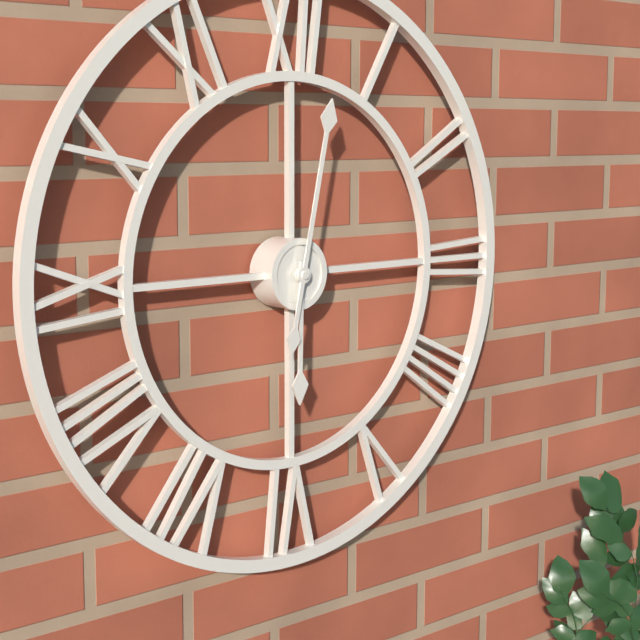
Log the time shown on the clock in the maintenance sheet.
6:02
